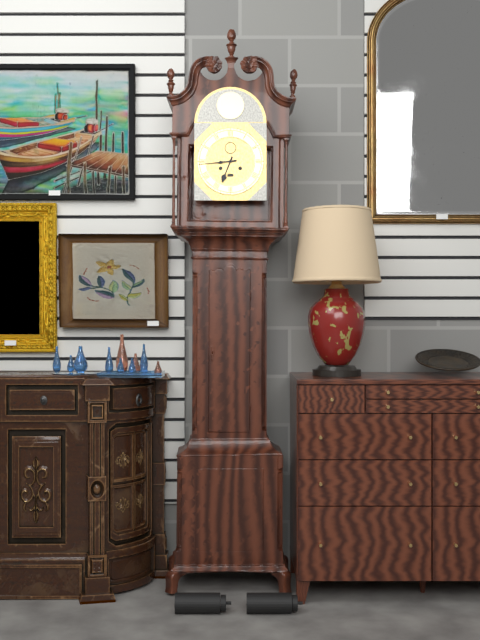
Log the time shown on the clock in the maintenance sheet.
6:44
